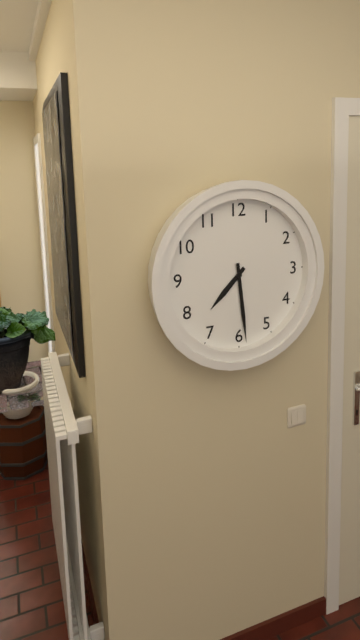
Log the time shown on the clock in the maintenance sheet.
7:29
